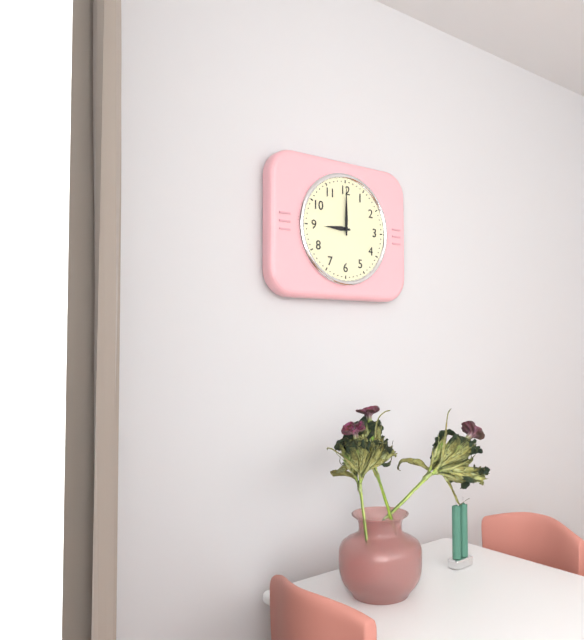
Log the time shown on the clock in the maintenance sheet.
9:00
